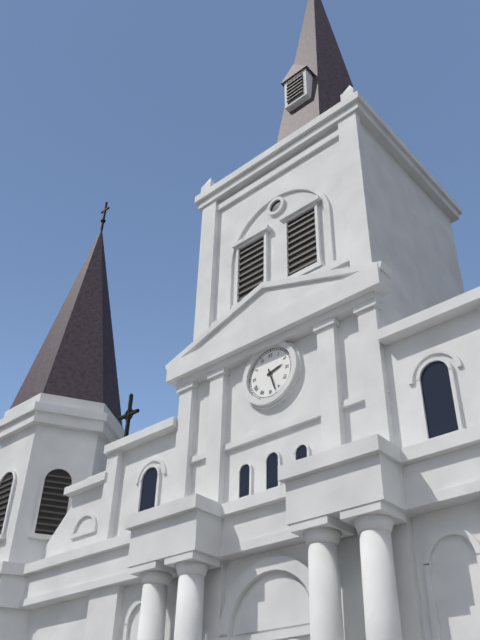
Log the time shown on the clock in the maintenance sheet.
2:27
